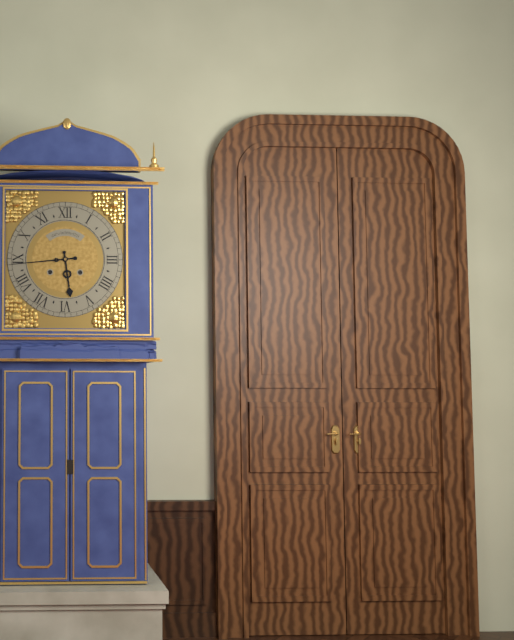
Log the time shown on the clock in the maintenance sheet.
5:44
